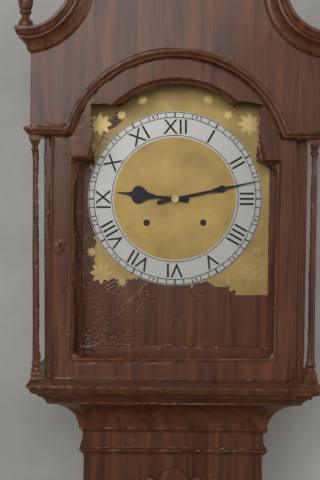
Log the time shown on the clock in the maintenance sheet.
9:13
